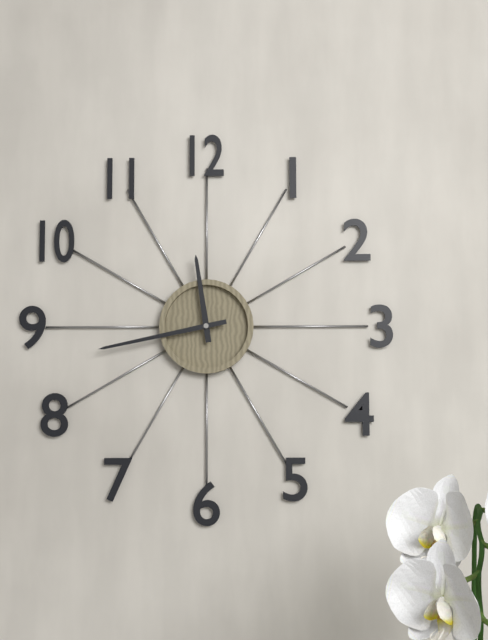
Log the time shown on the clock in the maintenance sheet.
11:43
